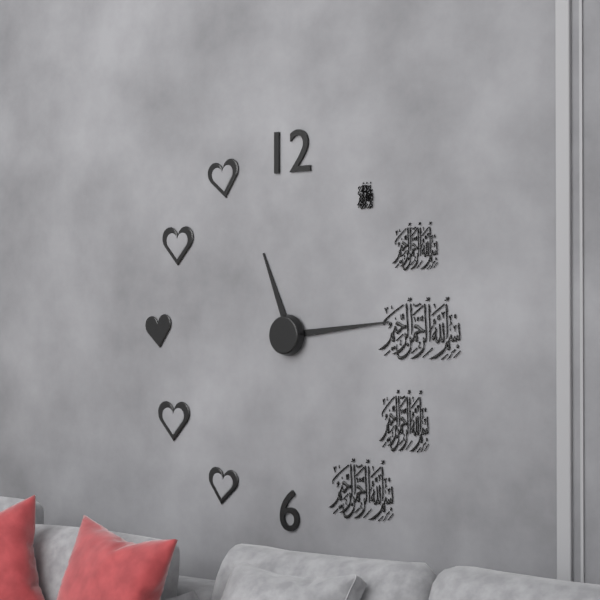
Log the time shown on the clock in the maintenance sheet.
11:14
